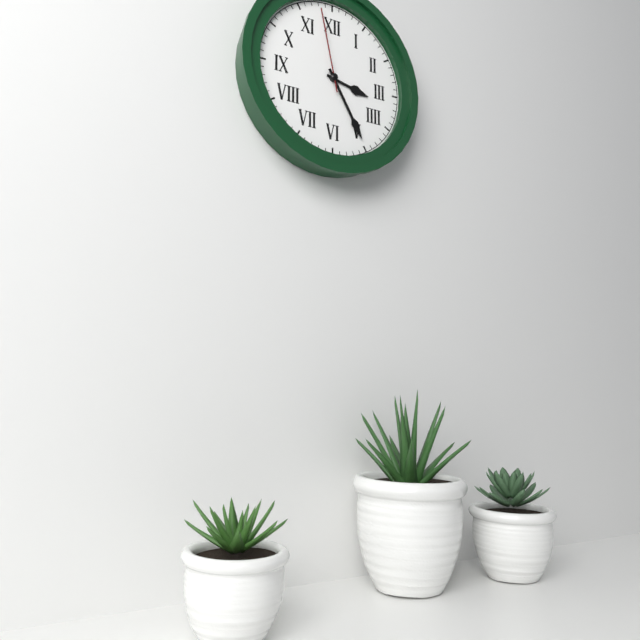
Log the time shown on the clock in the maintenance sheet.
3:25:58
